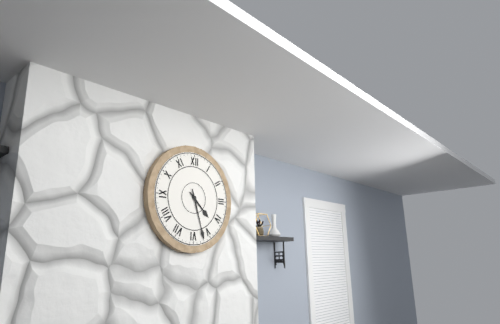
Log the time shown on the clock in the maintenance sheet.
4:27
